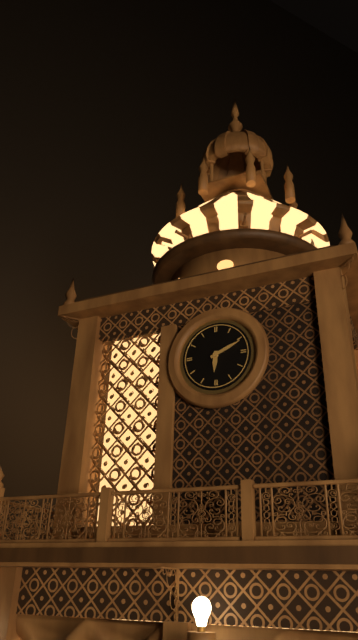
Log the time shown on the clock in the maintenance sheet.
6:11
